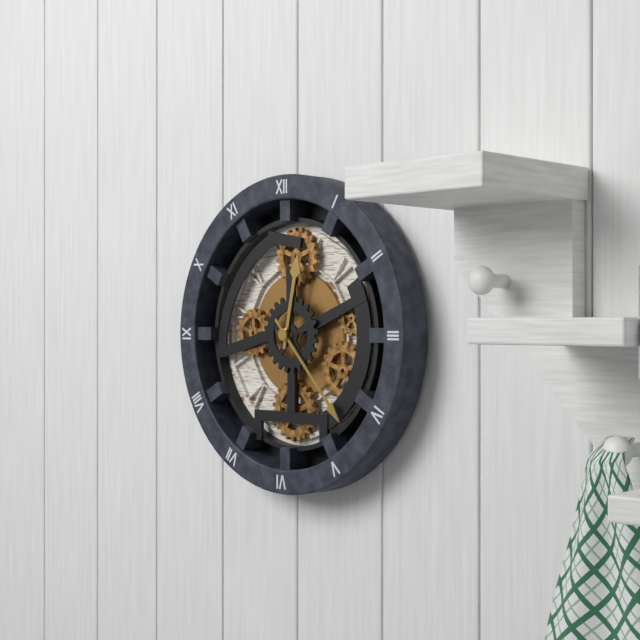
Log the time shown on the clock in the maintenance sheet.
12:23
